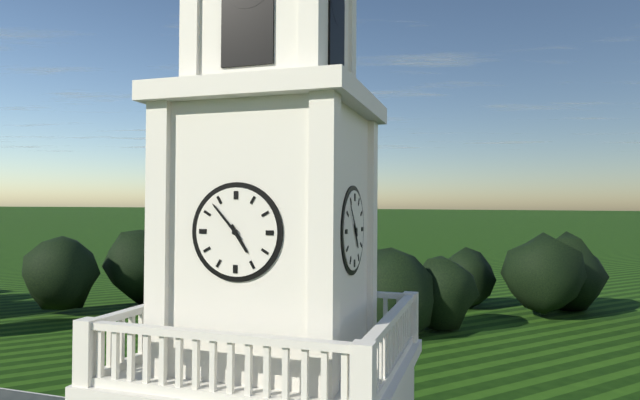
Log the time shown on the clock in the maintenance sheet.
4:53
